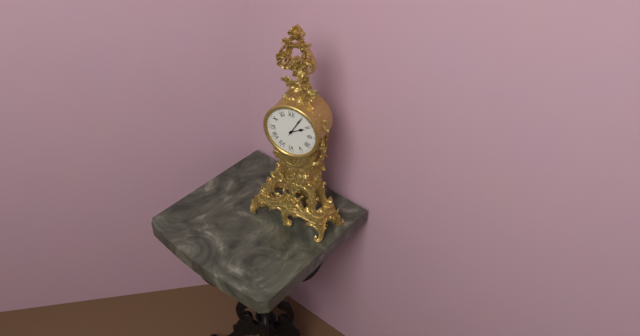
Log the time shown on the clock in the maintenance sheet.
2:05
